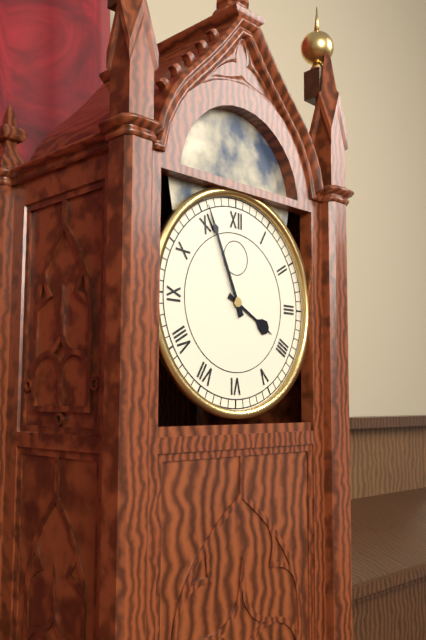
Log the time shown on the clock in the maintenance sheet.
3:56
